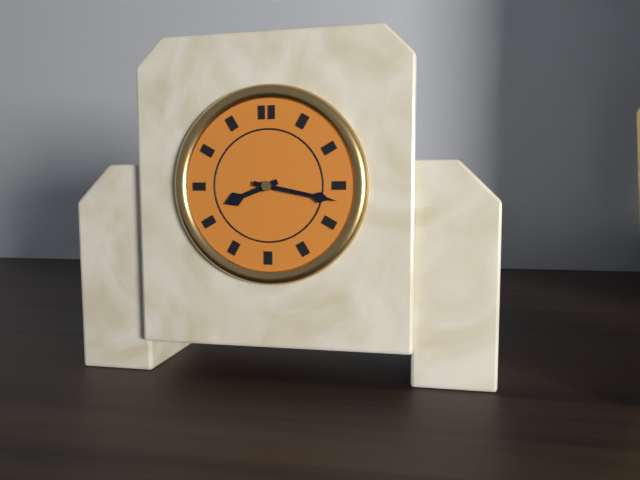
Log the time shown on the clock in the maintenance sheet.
8:17
